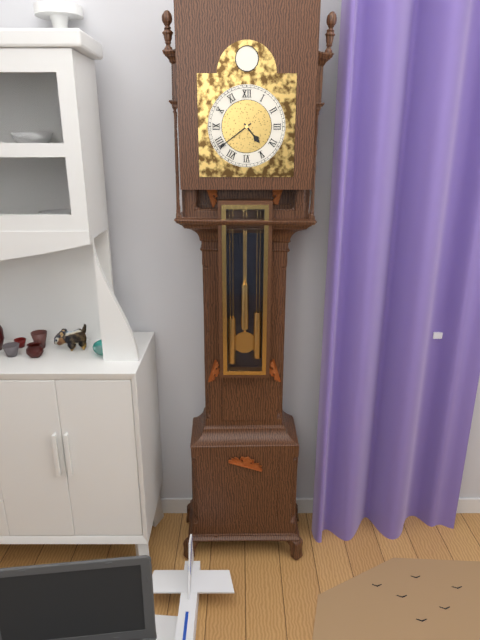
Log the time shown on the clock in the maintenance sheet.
4:39
